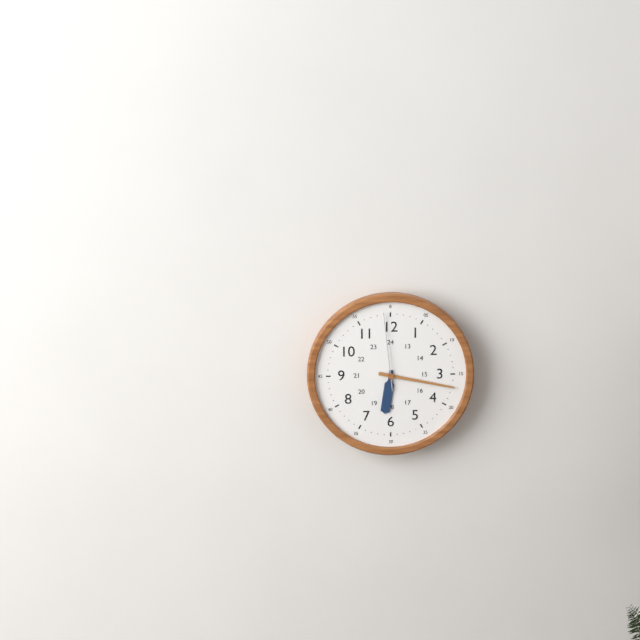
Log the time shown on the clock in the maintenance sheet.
6:17:59
